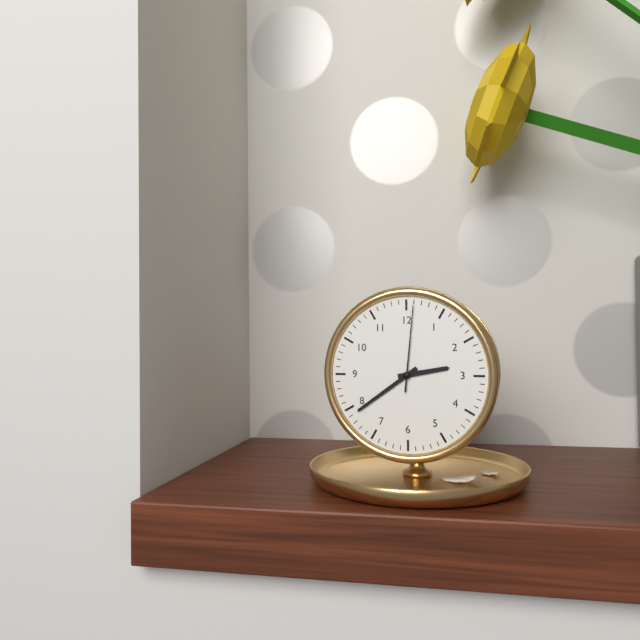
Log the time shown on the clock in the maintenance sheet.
2:39:01
